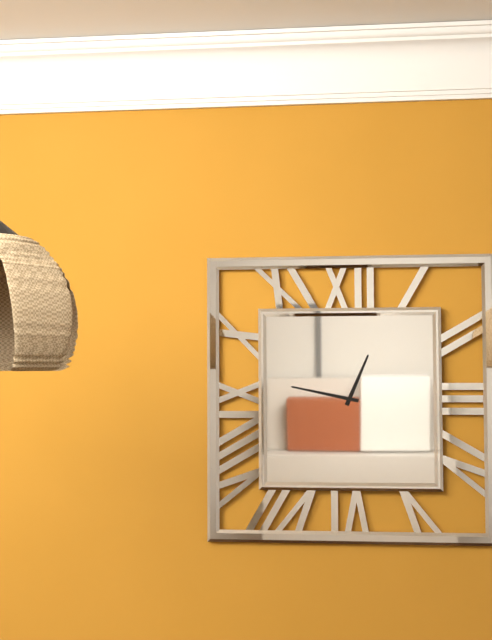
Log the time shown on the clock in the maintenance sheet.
12:47
